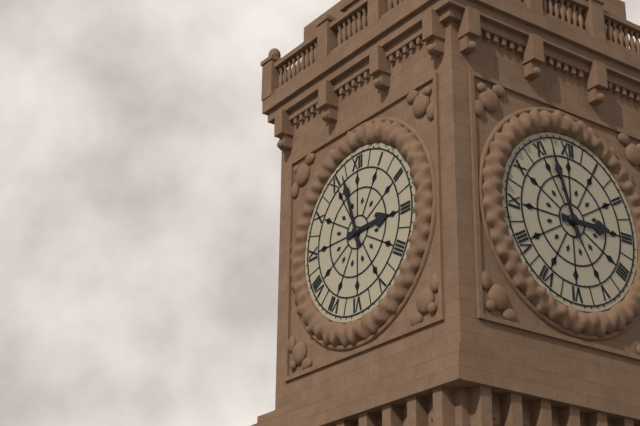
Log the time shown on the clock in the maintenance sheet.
2:57
